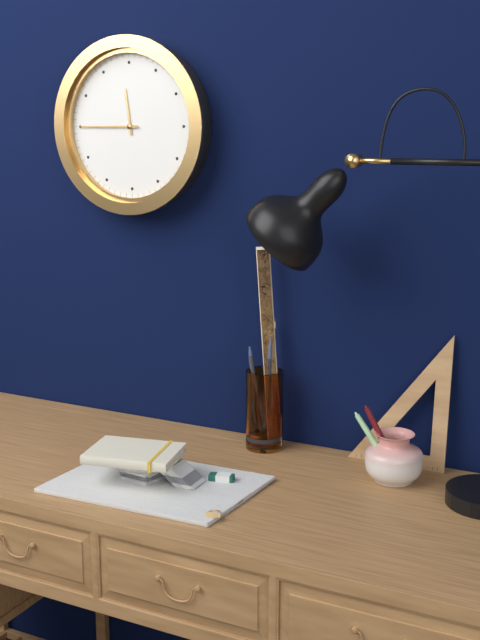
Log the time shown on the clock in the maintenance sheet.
11:45
